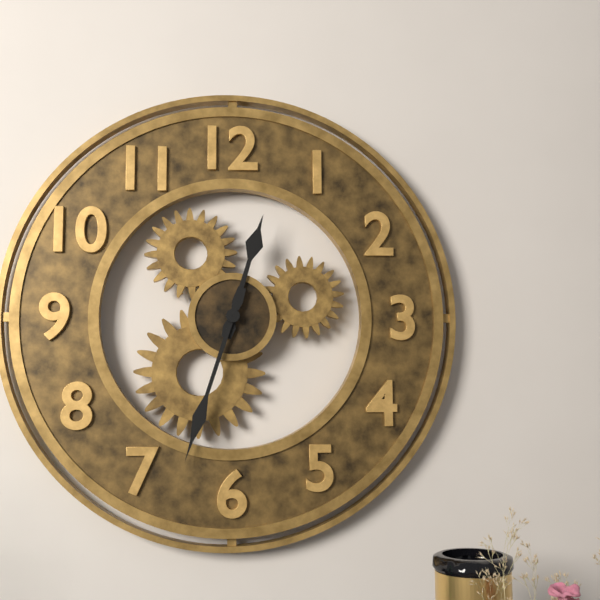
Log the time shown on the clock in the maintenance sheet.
12:33
